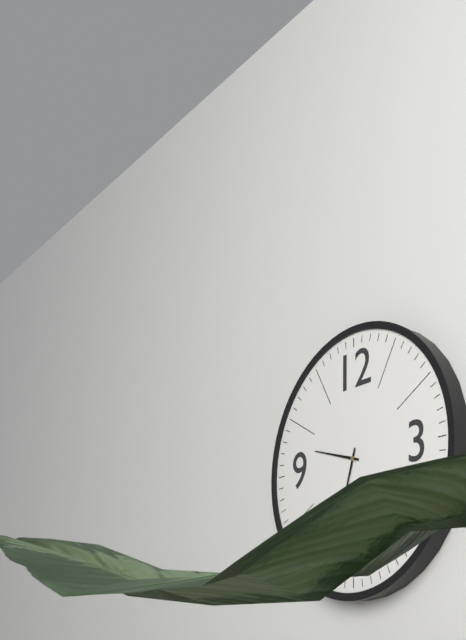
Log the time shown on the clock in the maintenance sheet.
9:33
